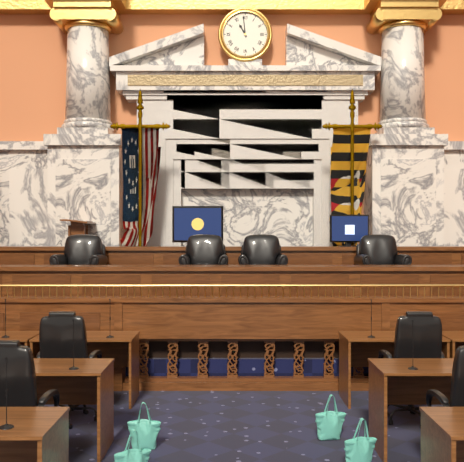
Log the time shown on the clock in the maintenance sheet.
10:59
